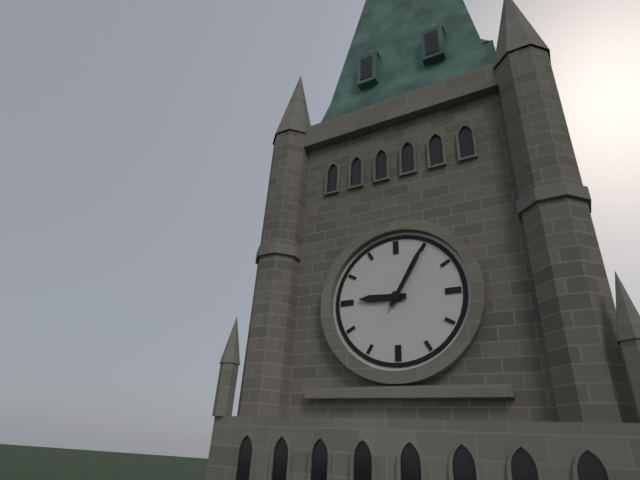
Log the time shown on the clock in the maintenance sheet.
9:05
